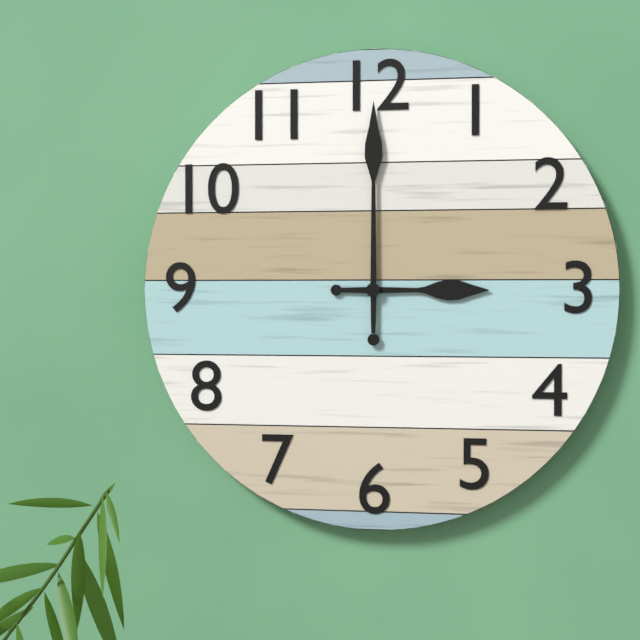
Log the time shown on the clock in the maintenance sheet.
3:00
